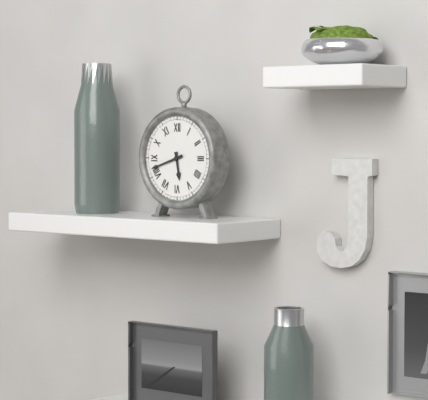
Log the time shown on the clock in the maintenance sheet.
5:42
